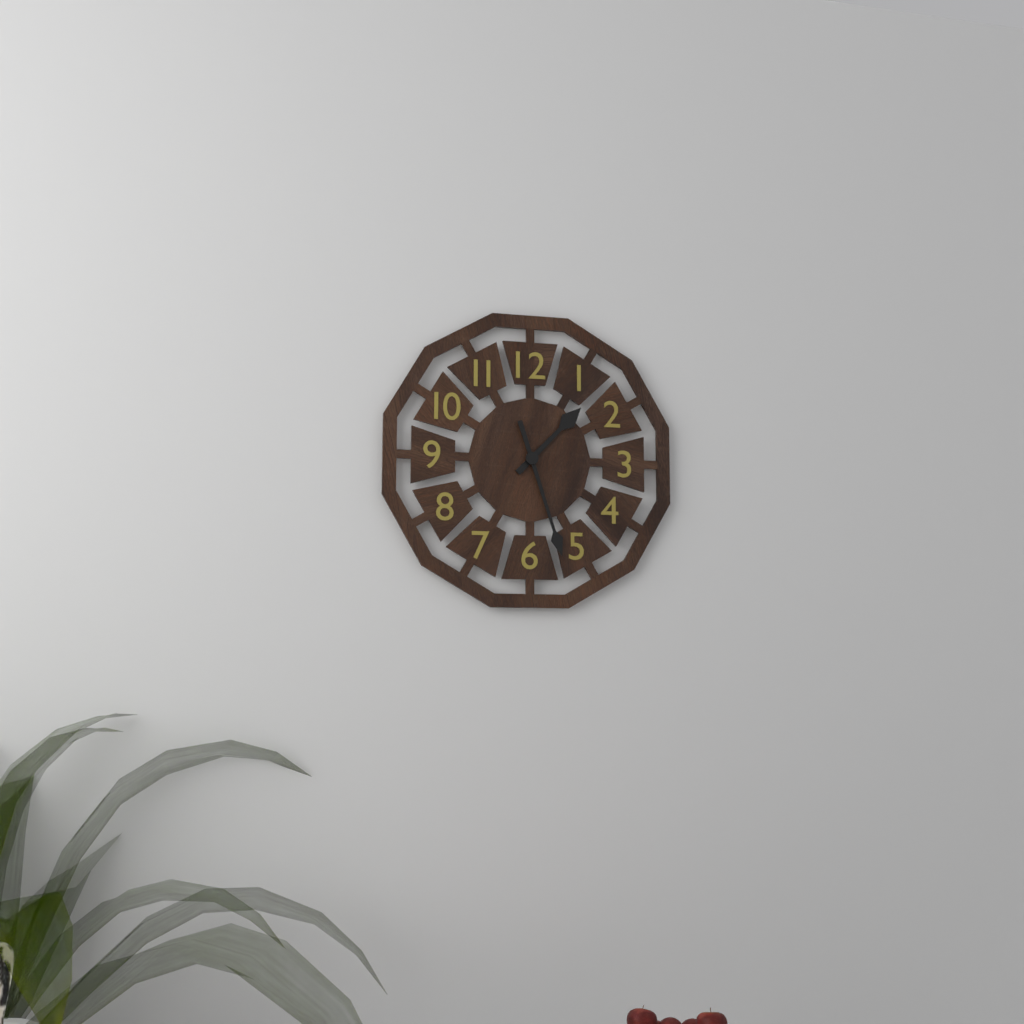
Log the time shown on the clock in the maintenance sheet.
1:27
